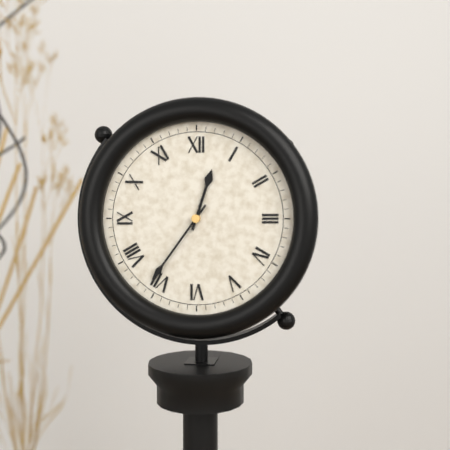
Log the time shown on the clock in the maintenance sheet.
12:36
